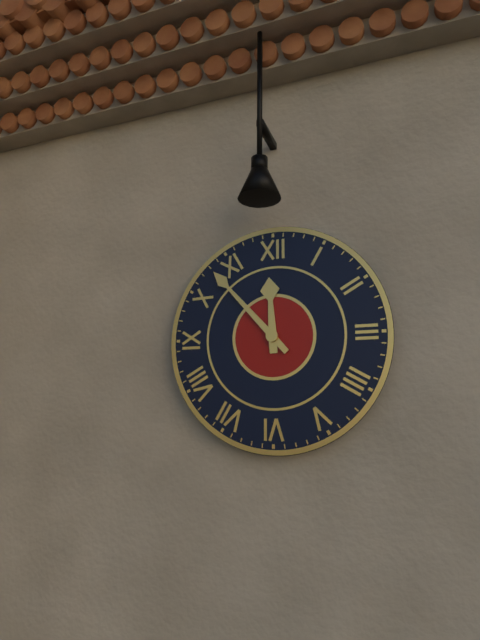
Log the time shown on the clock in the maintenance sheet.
11:53
